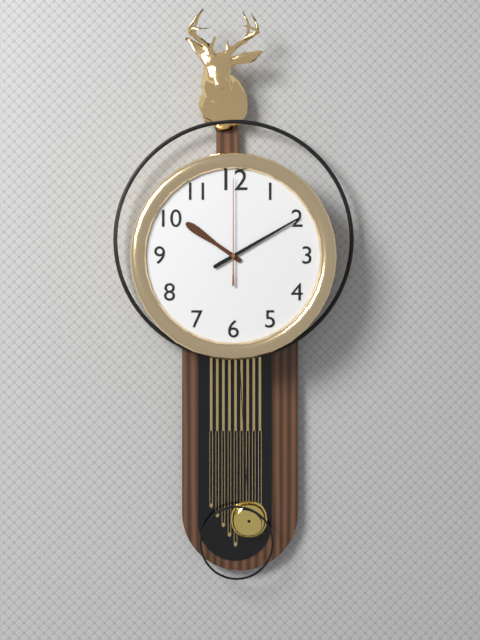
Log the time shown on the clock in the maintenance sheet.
10:10:00
